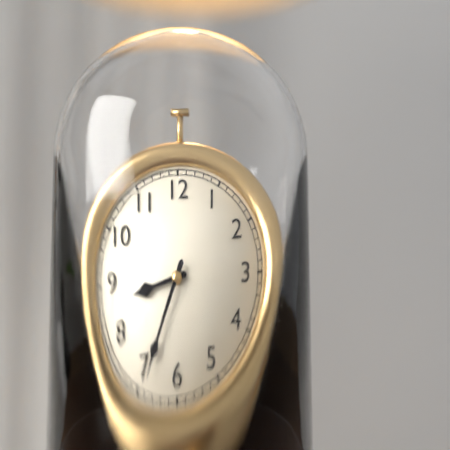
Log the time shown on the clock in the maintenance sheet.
8:34
